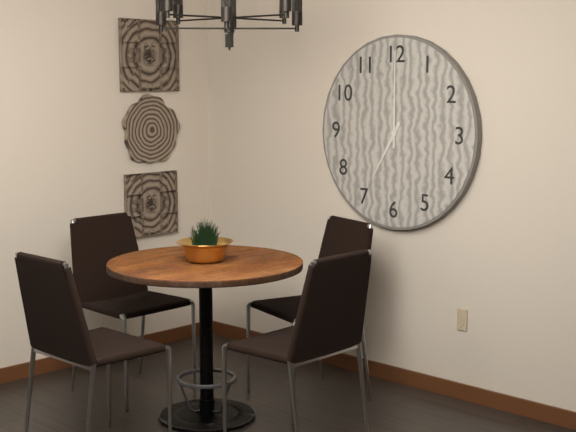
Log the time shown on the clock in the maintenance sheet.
7:00
